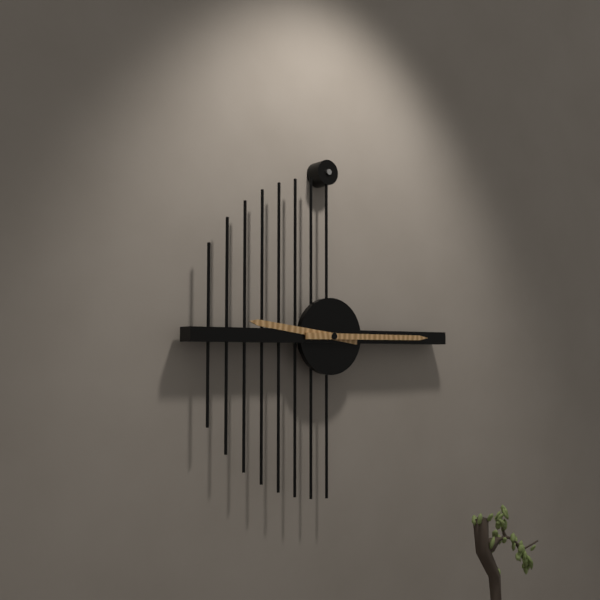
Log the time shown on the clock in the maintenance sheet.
9:15
